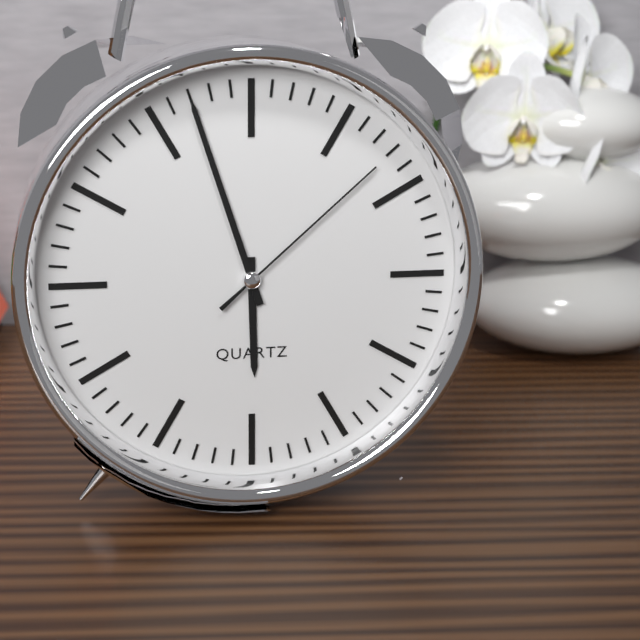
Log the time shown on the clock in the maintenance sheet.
5:57:08
